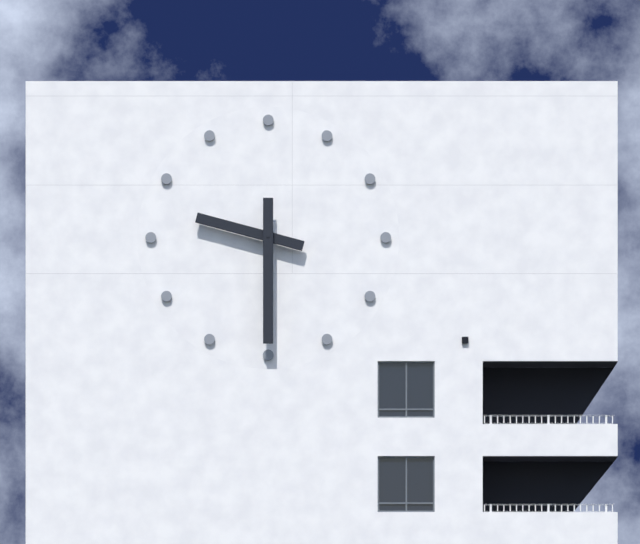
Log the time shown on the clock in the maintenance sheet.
9:30
